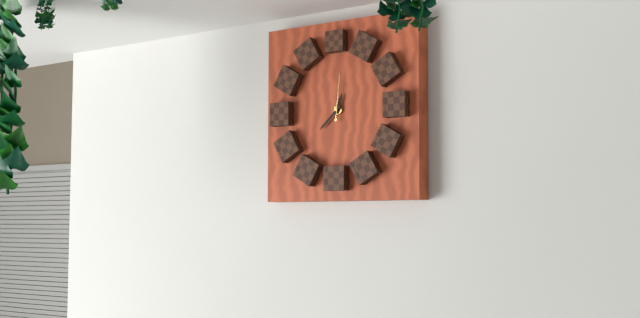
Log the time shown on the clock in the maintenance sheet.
12:38
